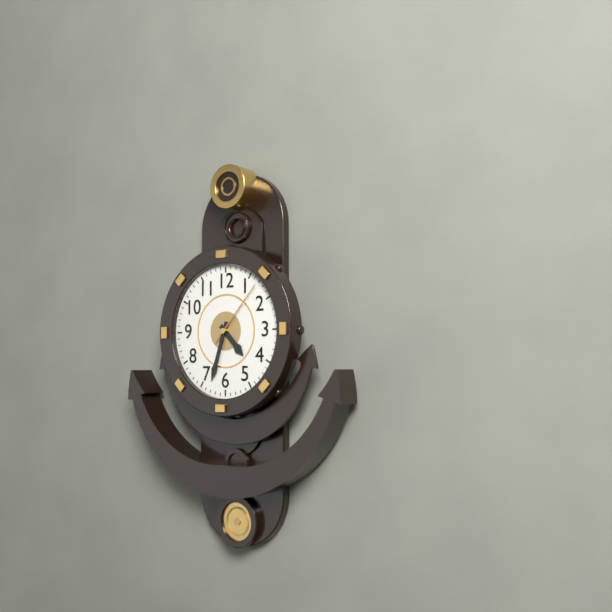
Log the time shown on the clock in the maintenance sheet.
4:33:07
